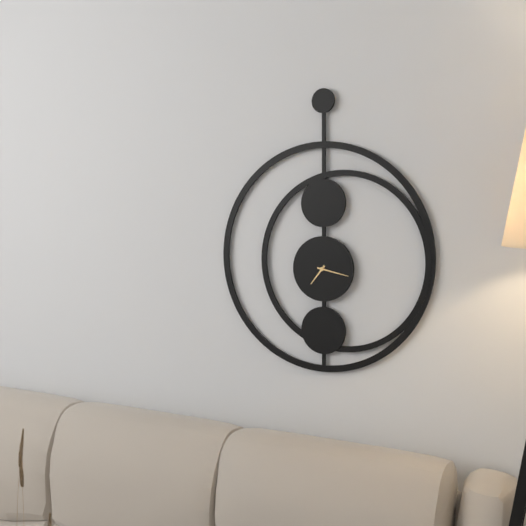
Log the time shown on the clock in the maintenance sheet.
7:17
